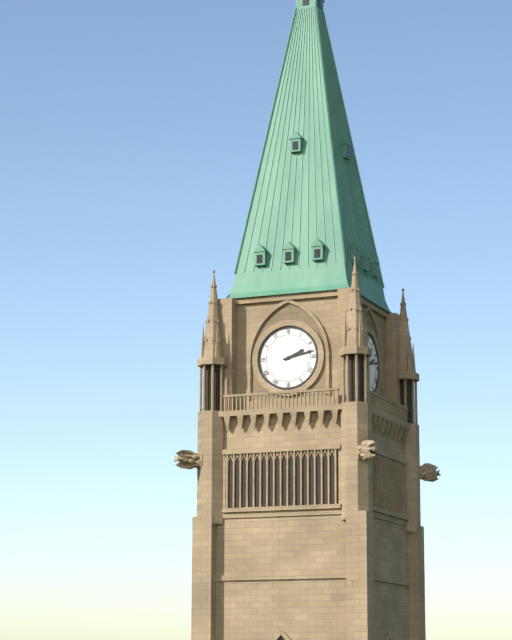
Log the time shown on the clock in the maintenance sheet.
2:13
